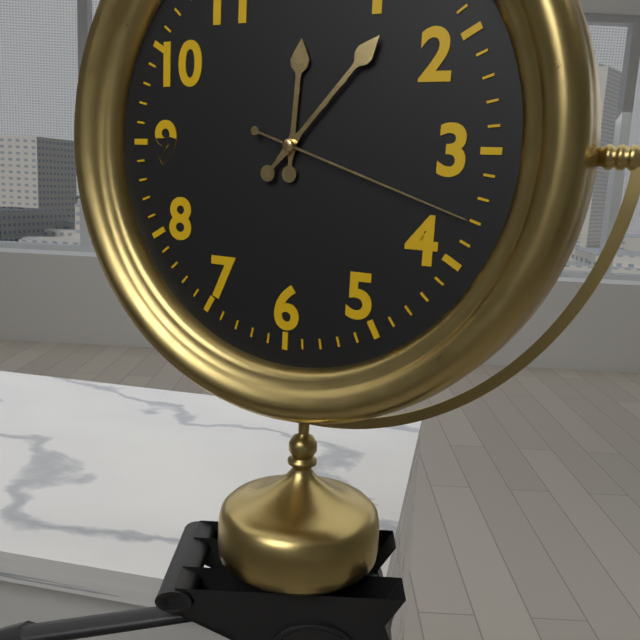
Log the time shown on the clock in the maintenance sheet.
12:07:18
